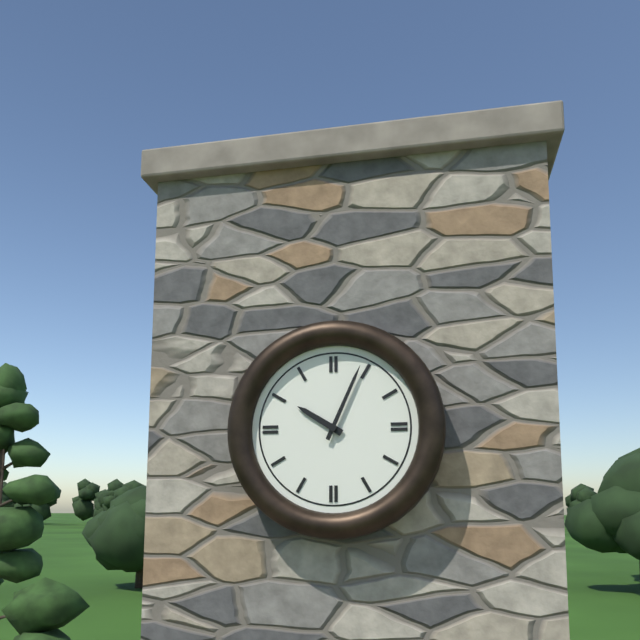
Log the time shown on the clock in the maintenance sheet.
10:04
